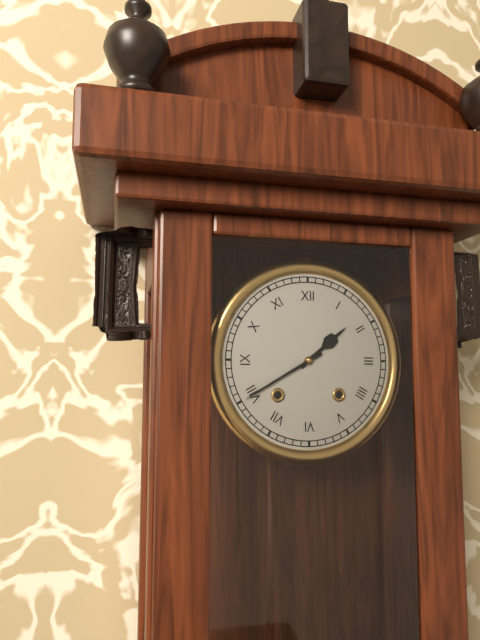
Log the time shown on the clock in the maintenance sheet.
1:40
